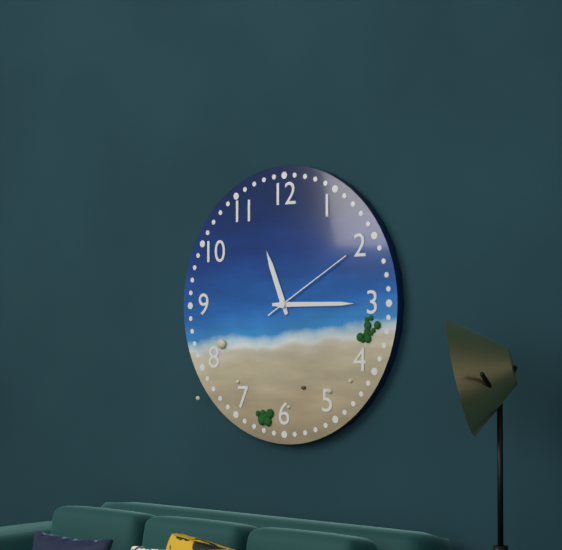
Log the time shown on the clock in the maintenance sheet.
11:15:10
